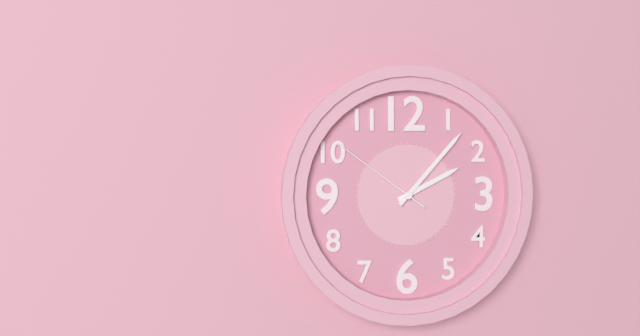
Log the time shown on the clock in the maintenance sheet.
2:07:51
